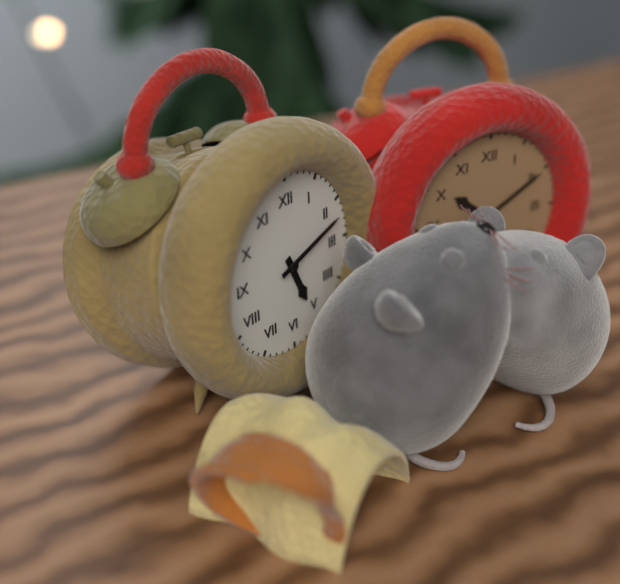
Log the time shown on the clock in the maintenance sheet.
5:12
